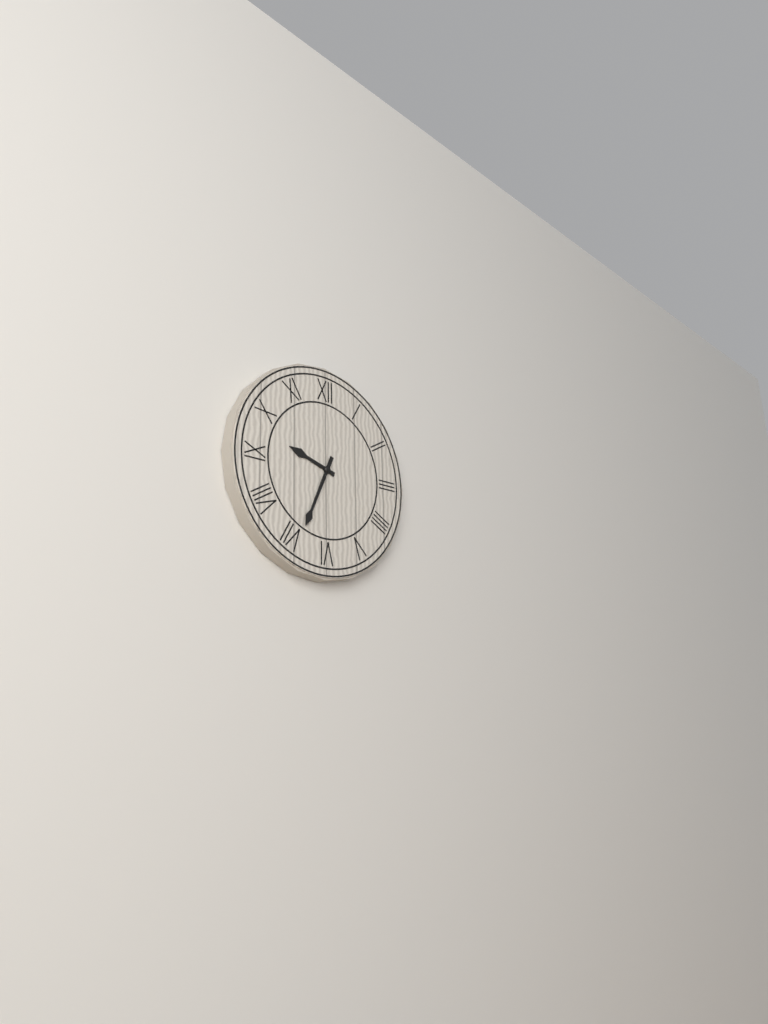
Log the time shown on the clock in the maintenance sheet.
9:34
